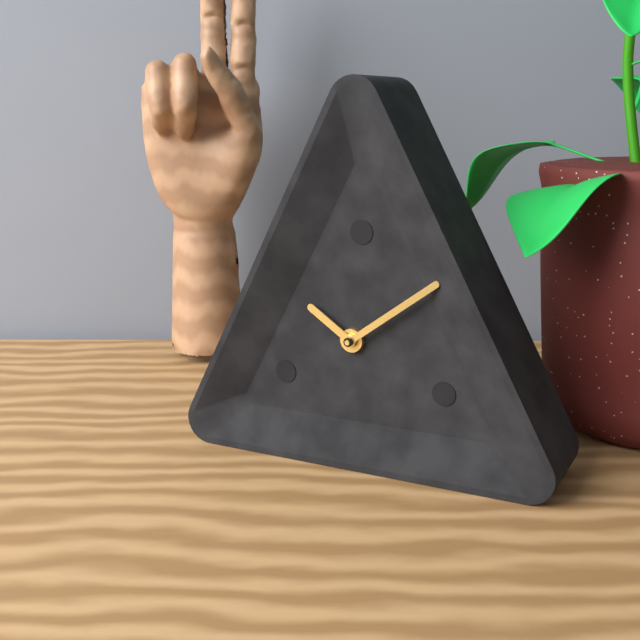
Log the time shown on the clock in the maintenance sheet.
10:09
